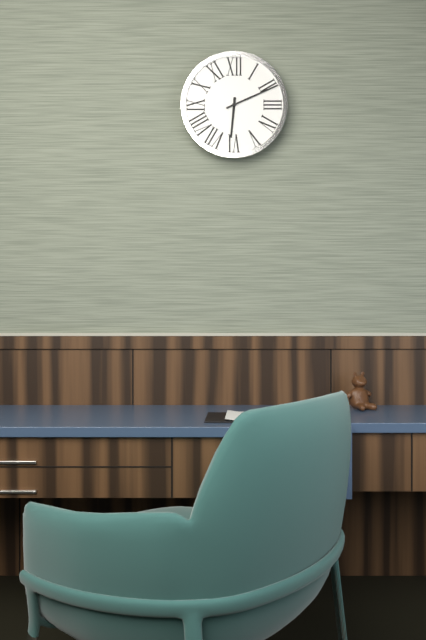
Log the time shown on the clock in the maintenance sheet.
6:11
